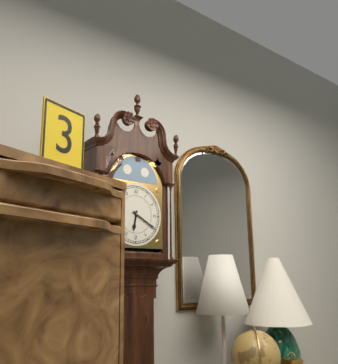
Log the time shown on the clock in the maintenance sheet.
6:20
